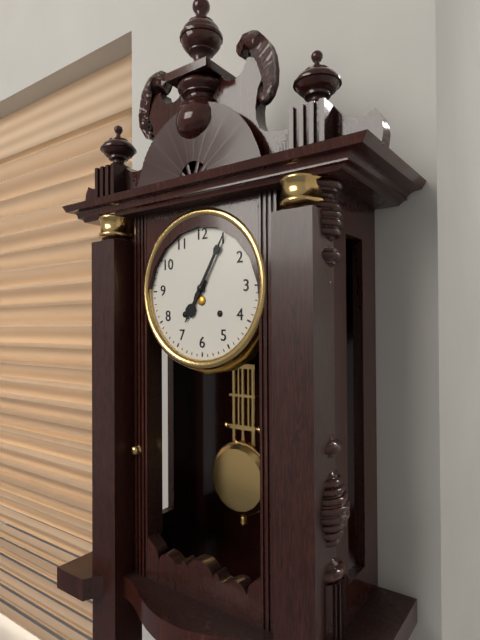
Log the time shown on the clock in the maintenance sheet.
7:05
